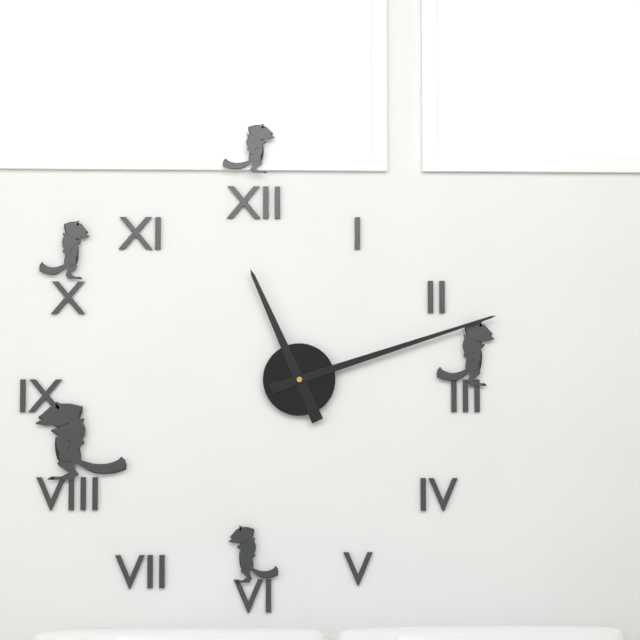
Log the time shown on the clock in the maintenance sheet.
11:12
